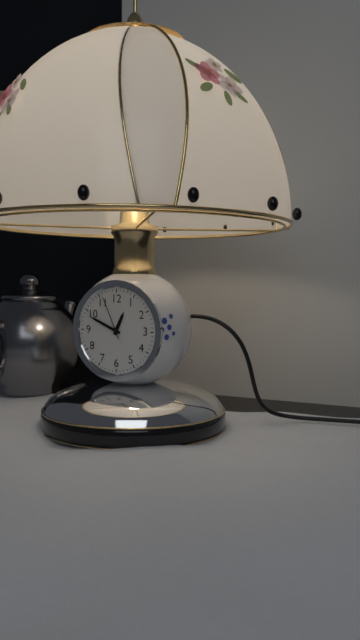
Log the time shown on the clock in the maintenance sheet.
12:49
